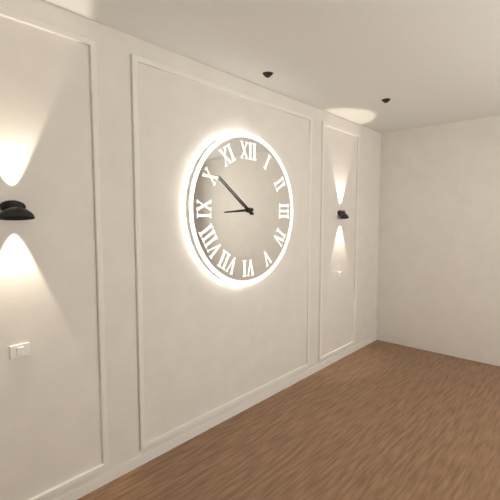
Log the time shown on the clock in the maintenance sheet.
8:51
